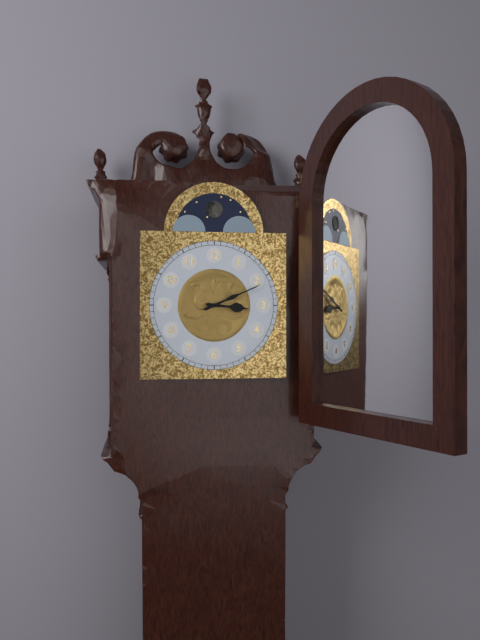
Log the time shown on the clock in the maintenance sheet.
3:11
